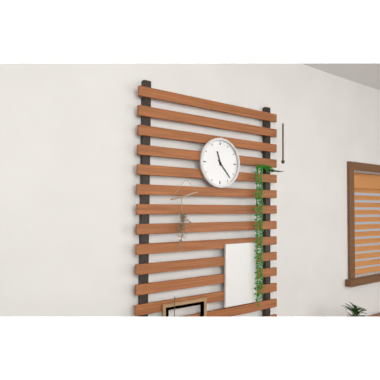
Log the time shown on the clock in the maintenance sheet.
11:23
